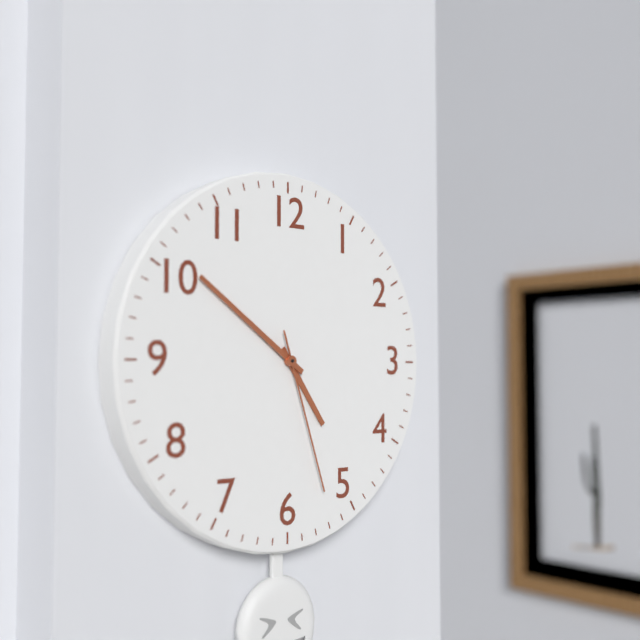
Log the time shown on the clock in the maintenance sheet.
4:51:27
